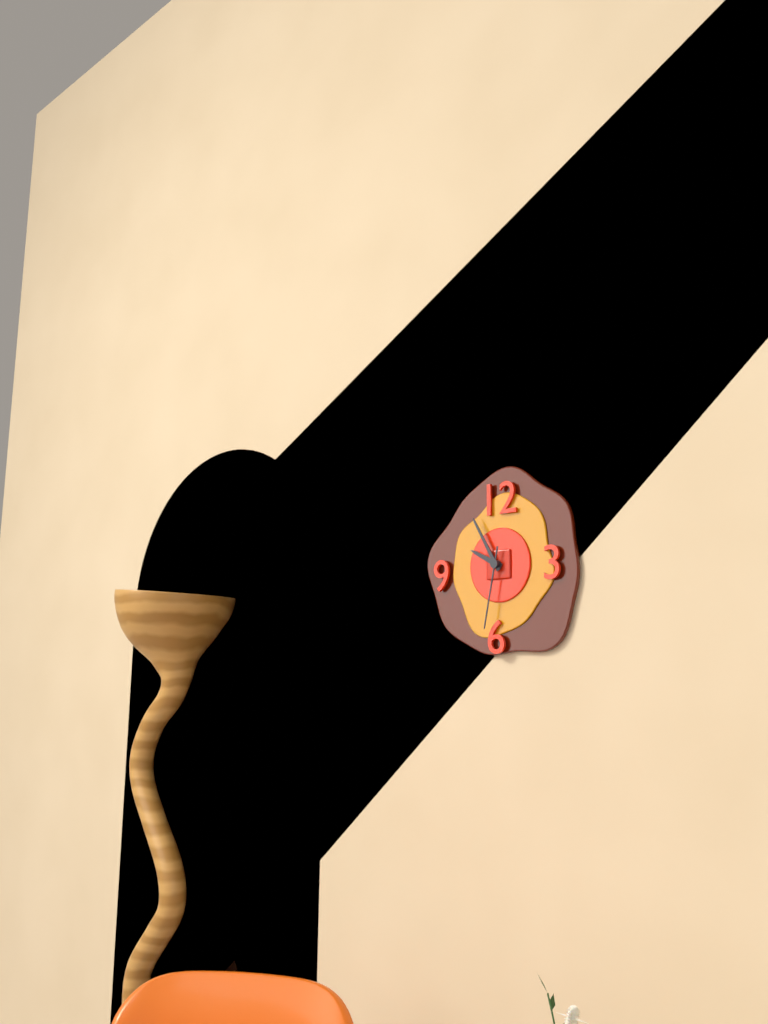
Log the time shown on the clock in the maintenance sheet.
9:55:32
